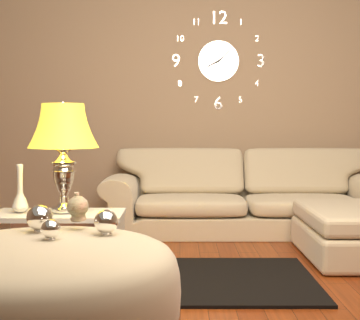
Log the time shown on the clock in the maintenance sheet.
8:08
